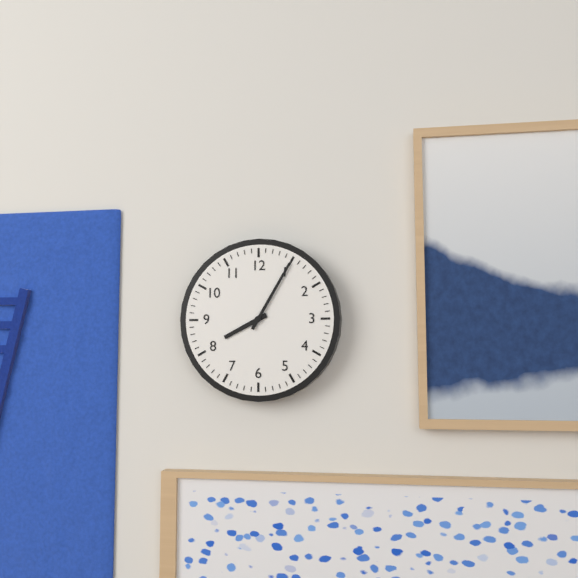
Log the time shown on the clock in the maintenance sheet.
8:05
